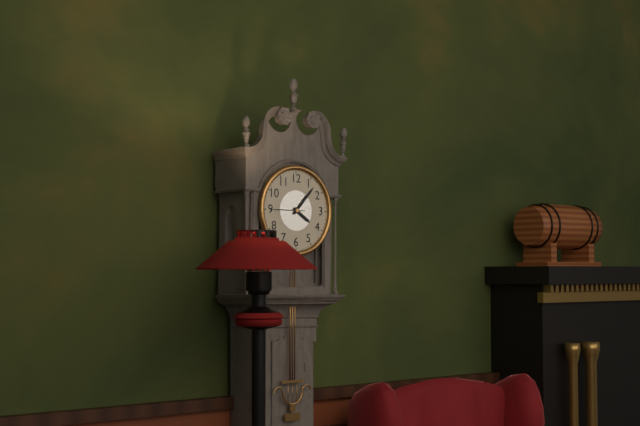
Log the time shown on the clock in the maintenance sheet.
4:07
